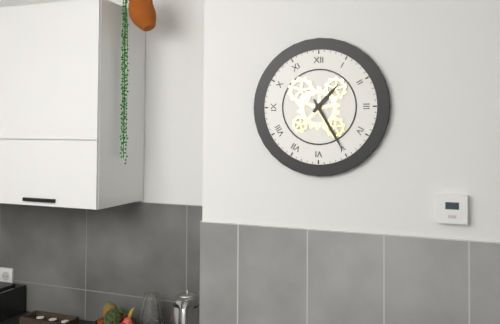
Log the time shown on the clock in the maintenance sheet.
1:25
